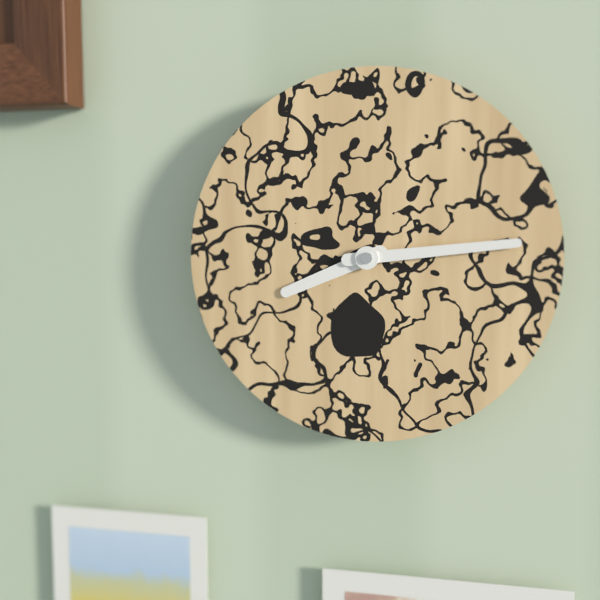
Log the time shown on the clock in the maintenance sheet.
8:14
